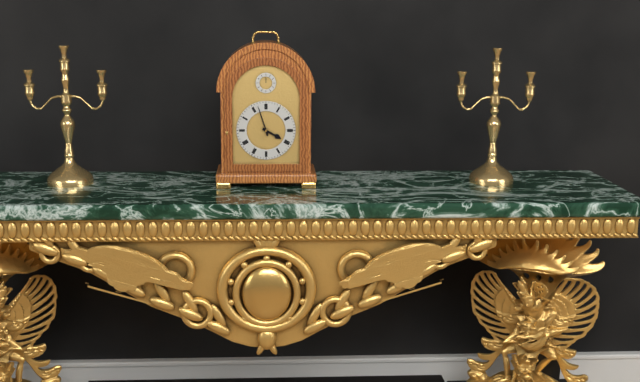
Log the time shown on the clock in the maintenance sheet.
3:57
